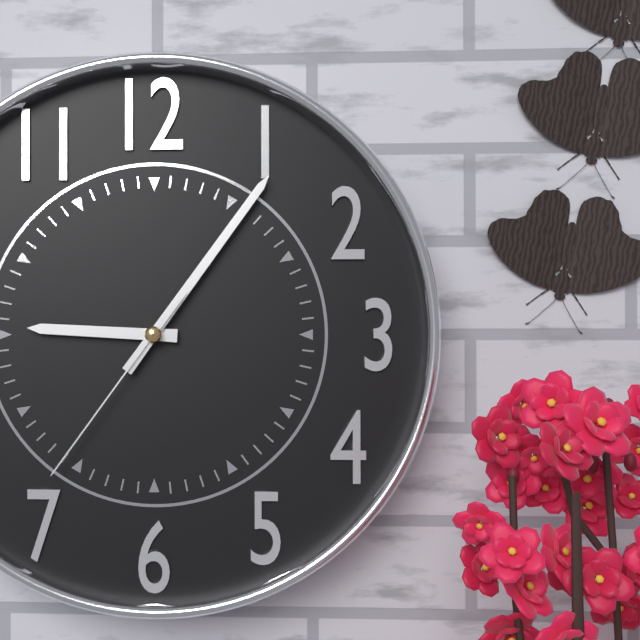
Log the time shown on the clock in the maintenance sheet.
9:06:36
